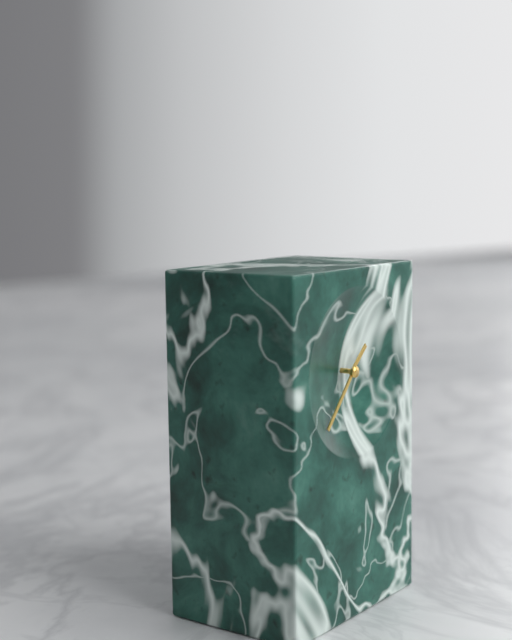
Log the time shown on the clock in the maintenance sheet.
1:37
